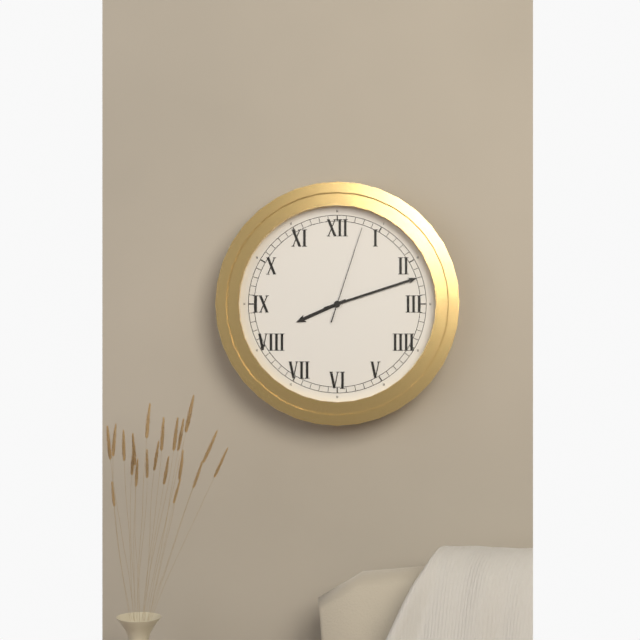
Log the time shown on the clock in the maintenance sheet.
8:12:03
